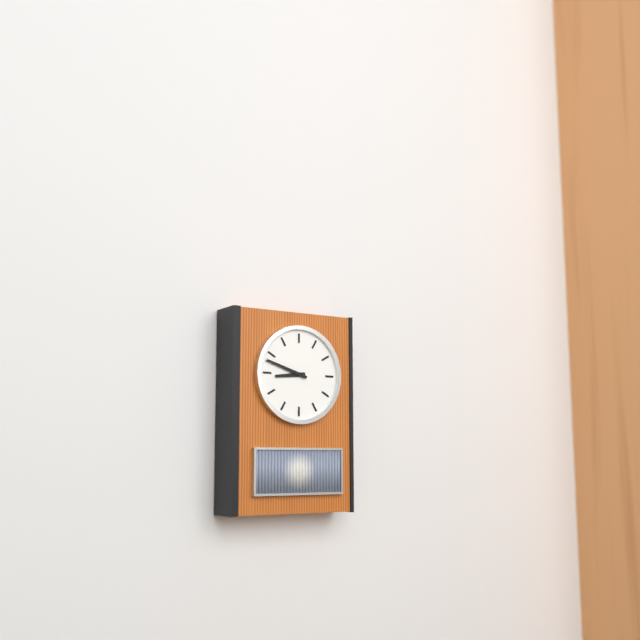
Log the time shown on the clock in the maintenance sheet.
8:48
